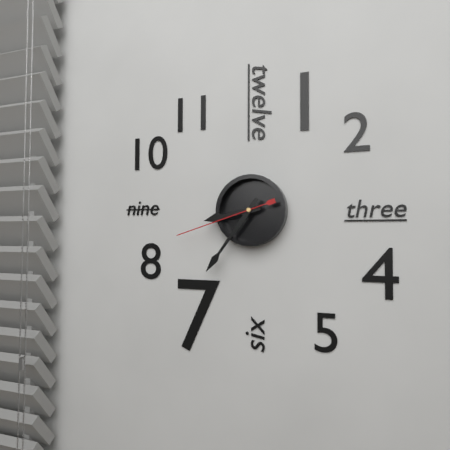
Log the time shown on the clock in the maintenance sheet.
8:36:42
